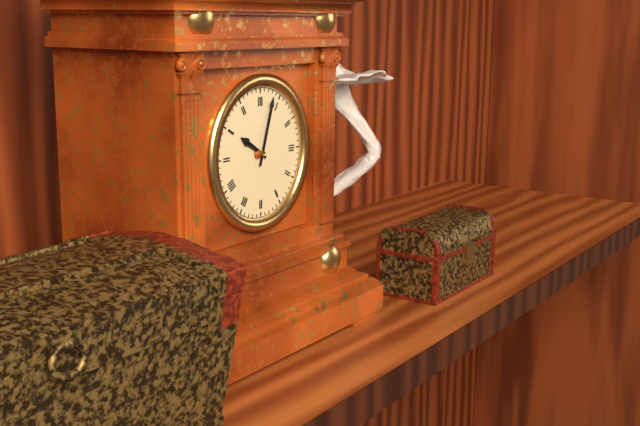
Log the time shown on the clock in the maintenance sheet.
10:03
